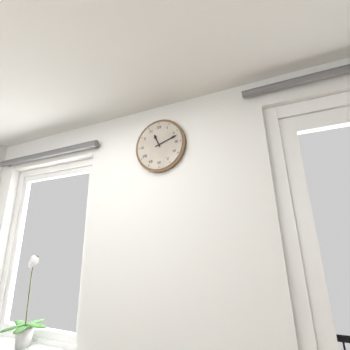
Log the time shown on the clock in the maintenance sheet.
11:12
